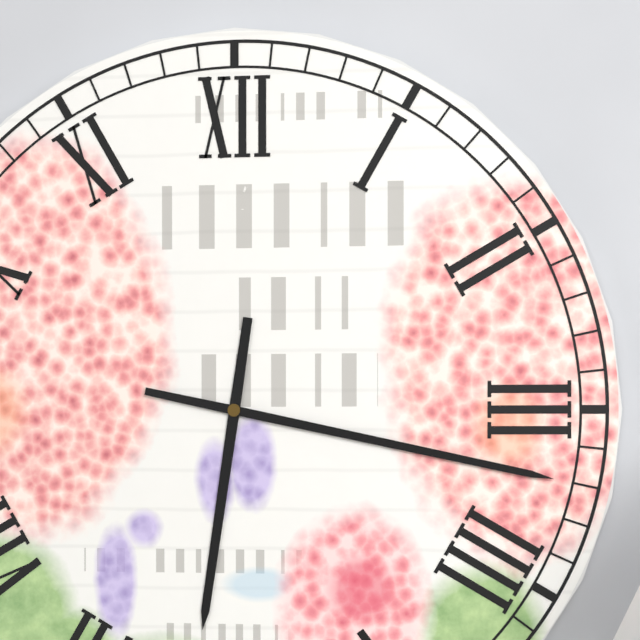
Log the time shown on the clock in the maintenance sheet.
6:17
